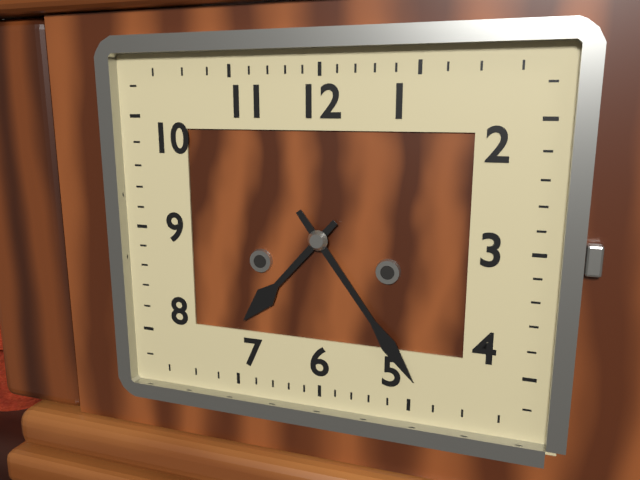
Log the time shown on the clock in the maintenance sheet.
7:24
